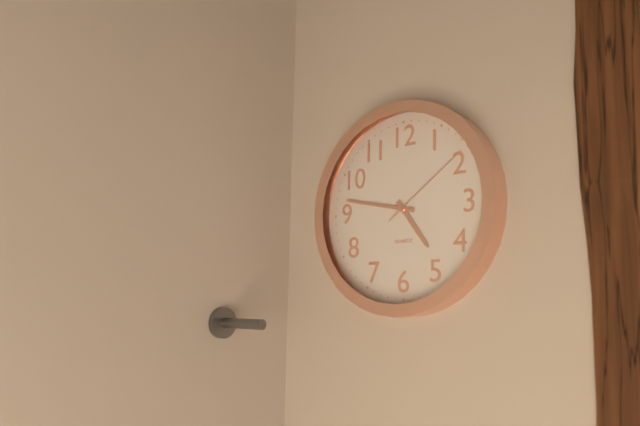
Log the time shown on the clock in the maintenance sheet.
4:47:09
